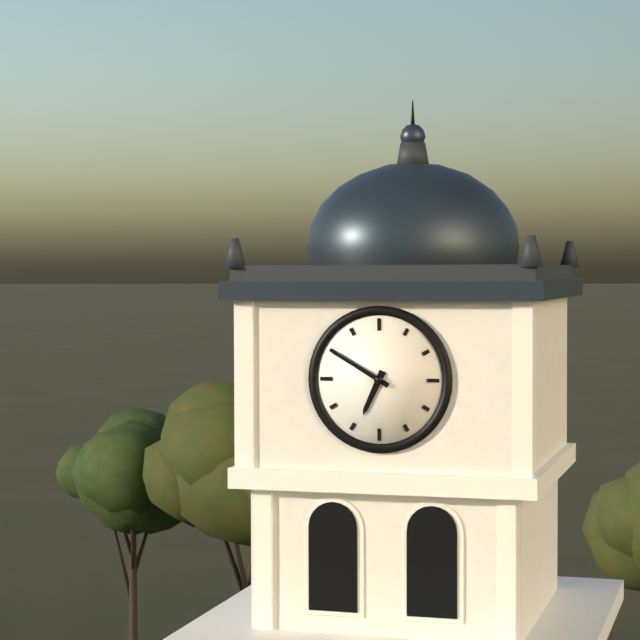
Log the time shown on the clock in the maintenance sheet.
6:50
